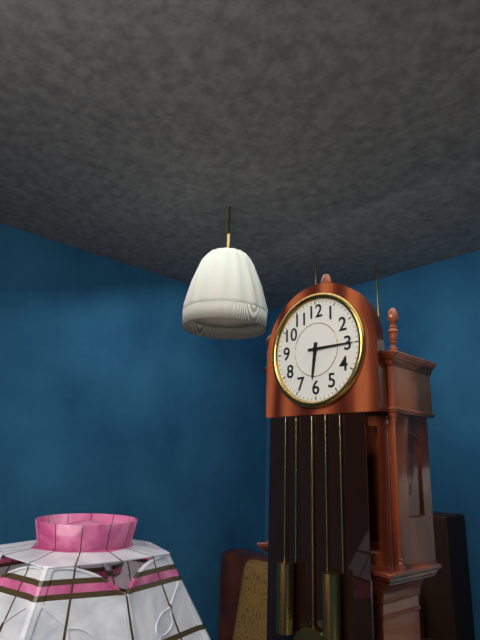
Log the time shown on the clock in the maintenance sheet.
6:15
